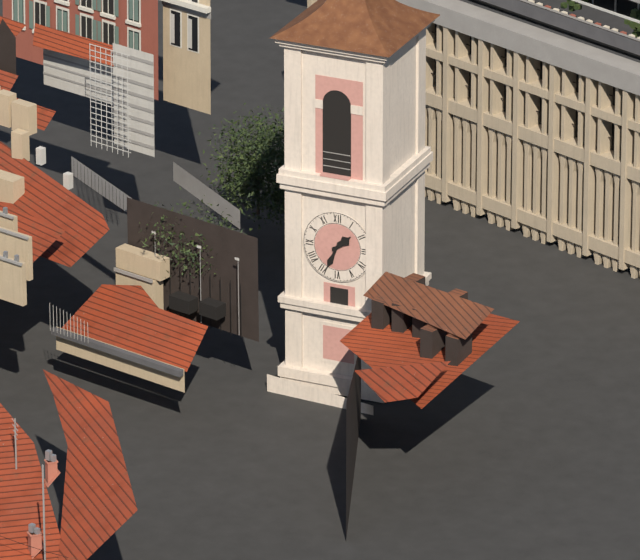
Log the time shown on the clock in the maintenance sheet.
1:34
